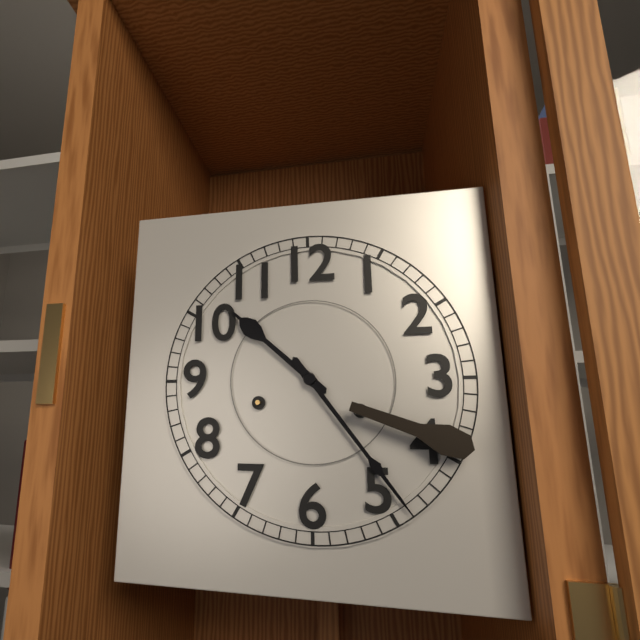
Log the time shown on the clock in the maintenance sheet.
10:24
